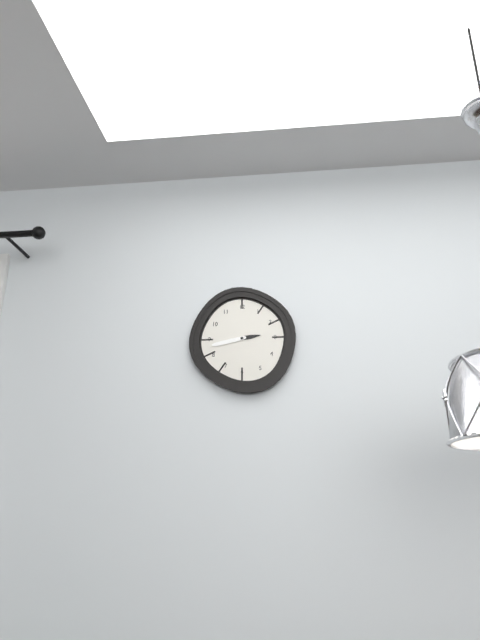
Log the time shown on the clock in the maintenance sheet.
2:43
